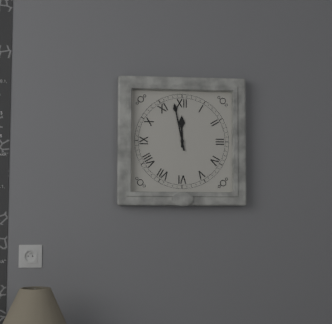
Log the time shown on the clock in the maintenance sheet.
11:58
